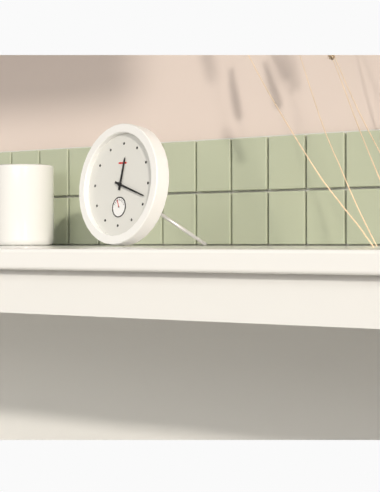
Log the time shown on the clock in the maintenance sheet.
12:18
